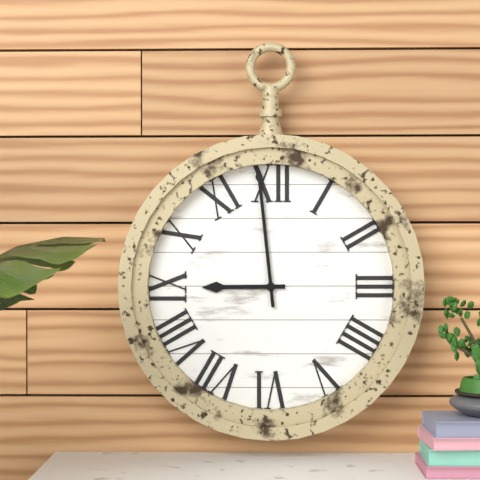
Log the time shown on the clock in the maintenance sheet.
8:59
